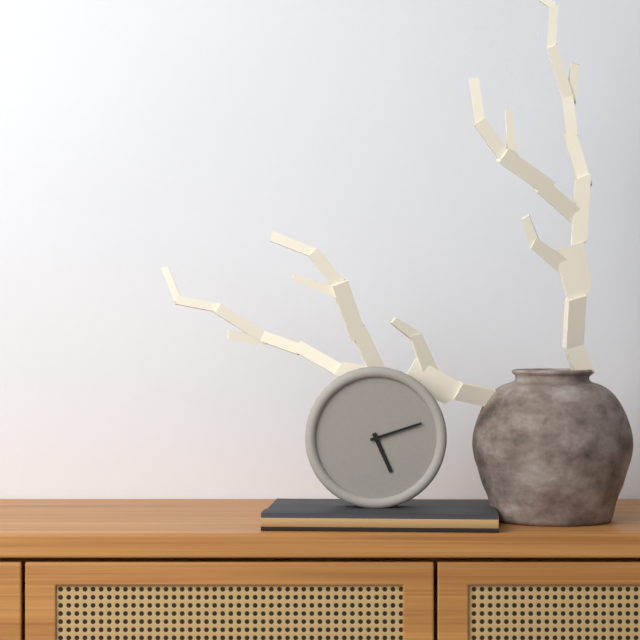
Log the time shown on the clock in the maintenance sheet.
5:12
